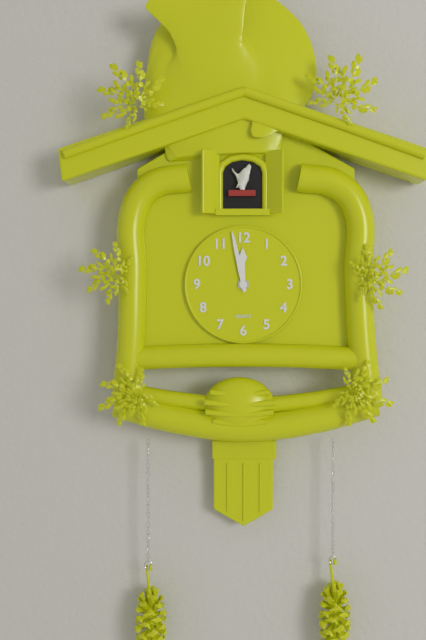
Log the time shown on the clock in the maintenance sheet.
11:58
